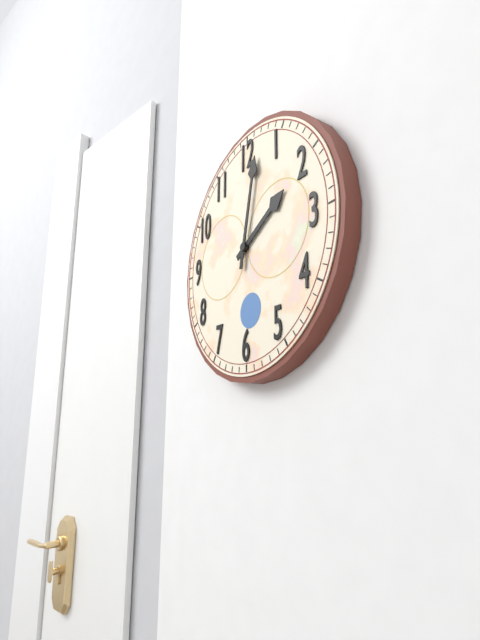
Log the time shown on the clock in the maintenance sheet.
2:02
